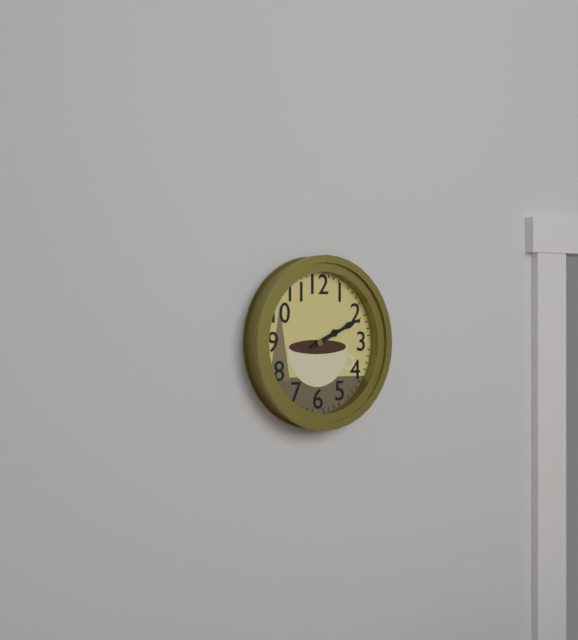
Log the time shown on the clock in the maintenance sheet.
2:11
